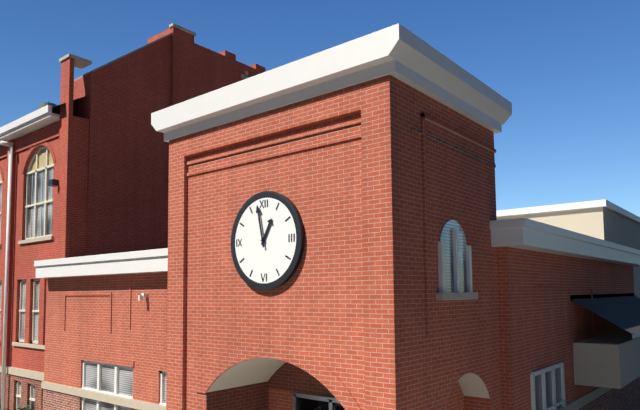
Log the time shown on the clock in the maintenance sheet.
12:58
